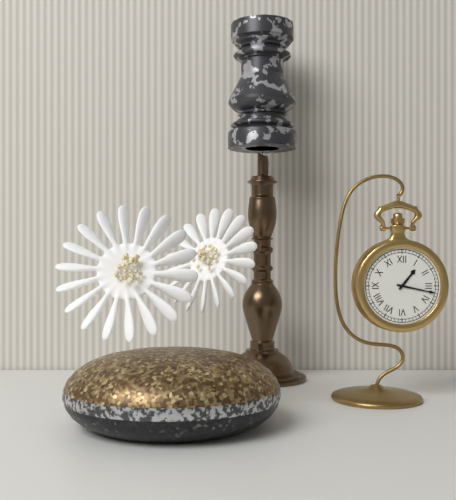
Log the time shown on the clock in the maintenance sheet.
1:17
